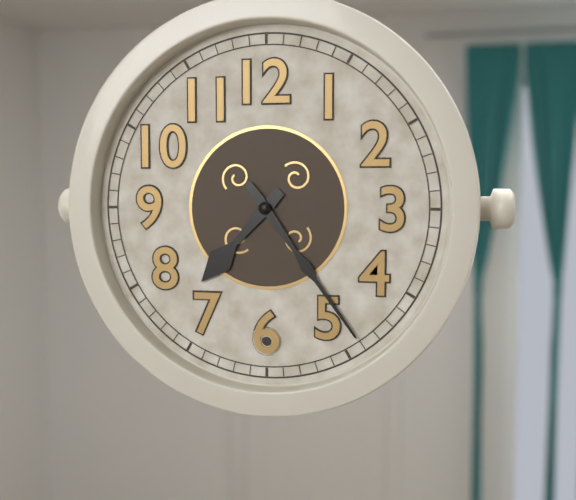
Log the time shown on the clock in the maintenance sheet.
7:24
